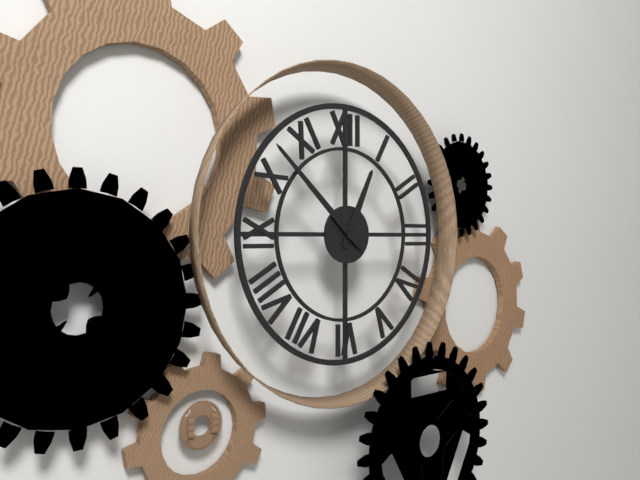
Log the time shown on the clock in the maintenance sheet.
12:52
